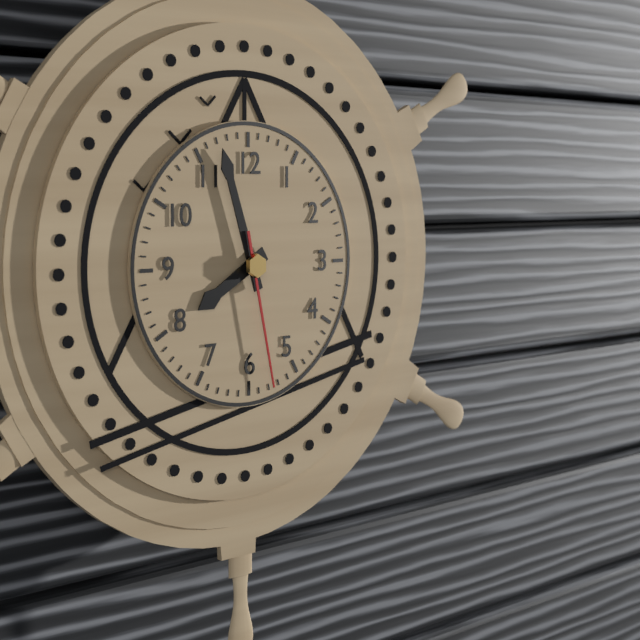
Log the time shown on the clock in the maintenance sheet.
7:57:28
